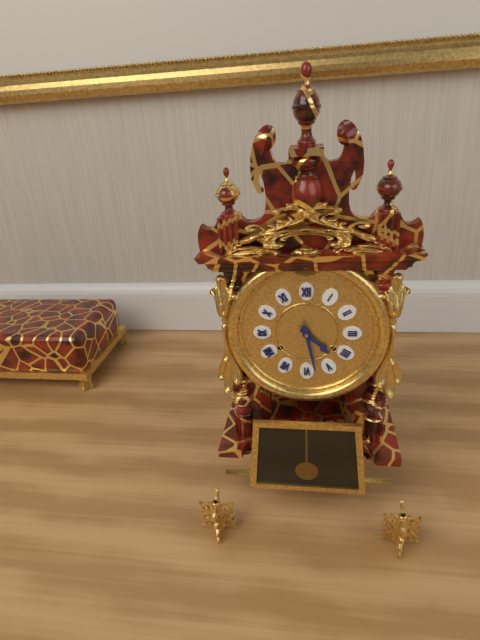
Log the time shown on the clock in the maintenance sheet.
4:28
